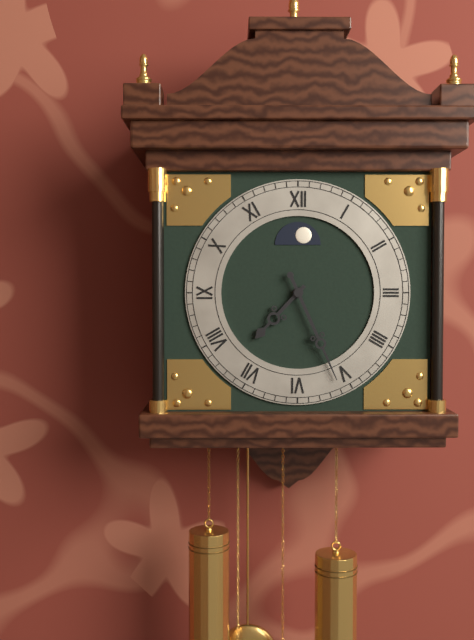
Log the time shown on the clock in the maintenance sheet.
7:26
